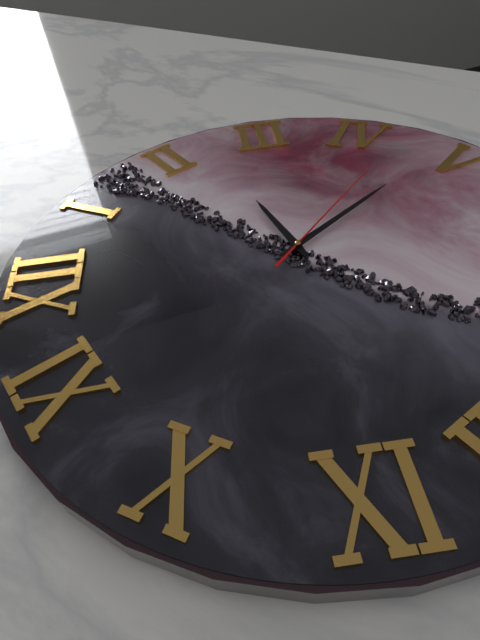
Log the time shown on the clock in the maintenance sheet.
2:24:22
